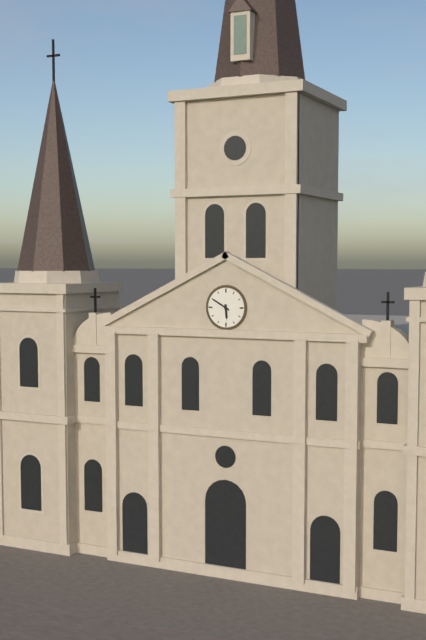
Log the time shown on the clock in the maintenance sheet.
5:50
